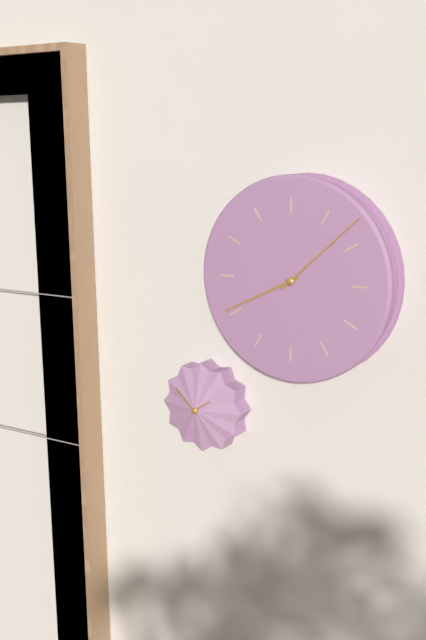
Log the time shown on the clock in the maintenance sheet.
8:08
